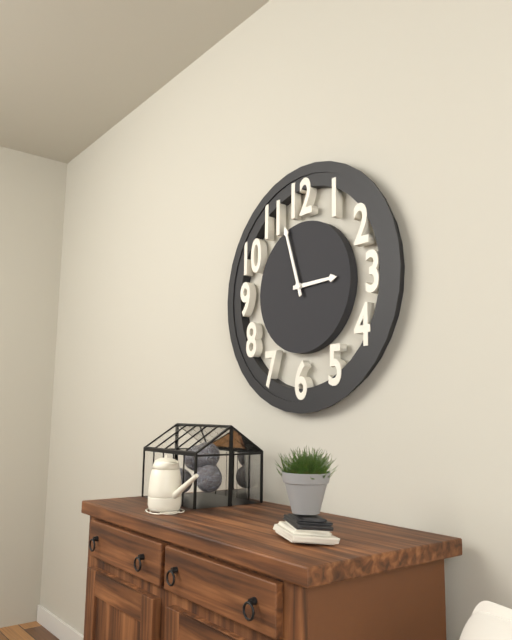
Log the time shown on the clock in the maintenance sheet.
2:57
